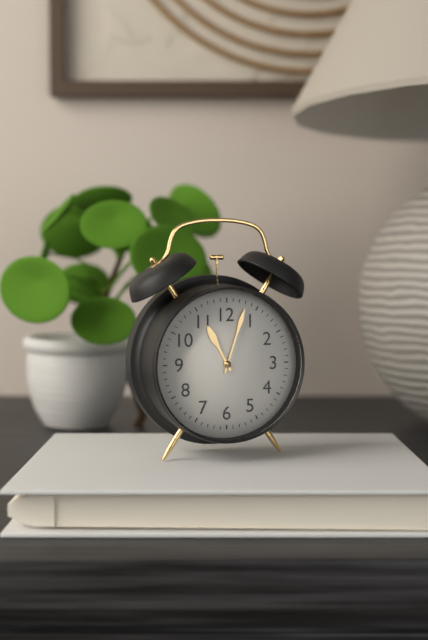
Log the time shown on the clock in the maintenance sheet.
11:03
